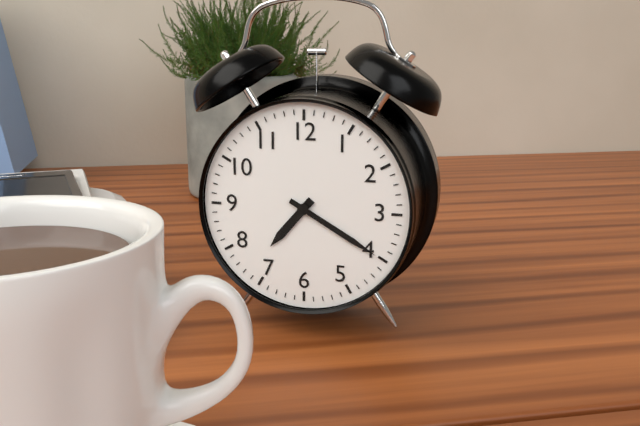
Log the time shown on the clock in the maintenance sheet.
7:20
